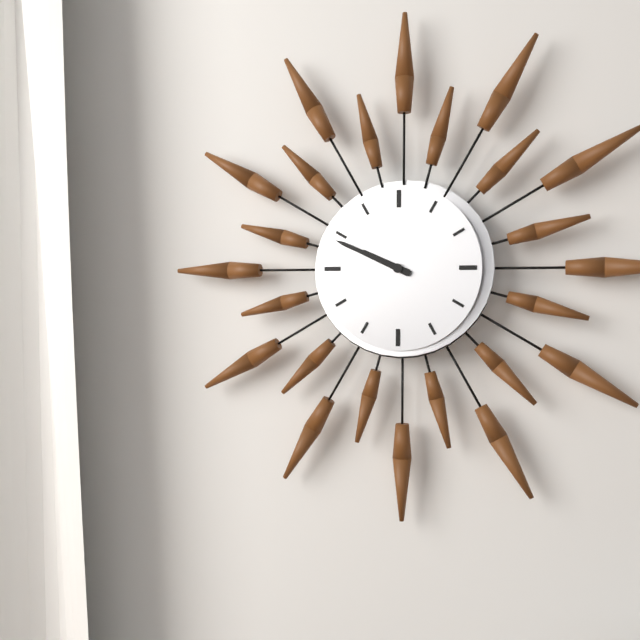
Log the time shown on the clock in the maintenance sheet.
9:49
